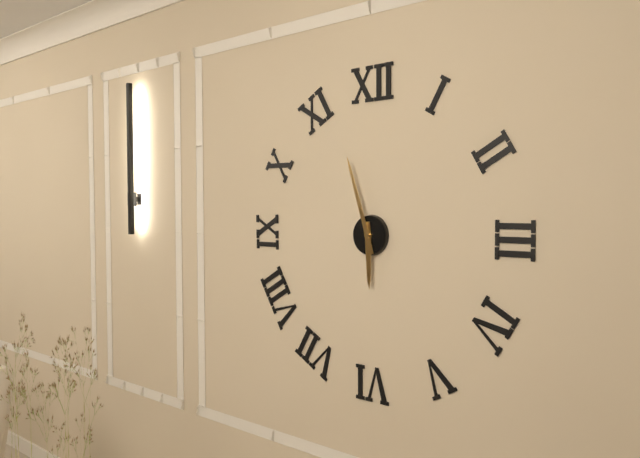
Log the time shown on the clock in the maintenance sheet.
5:57
